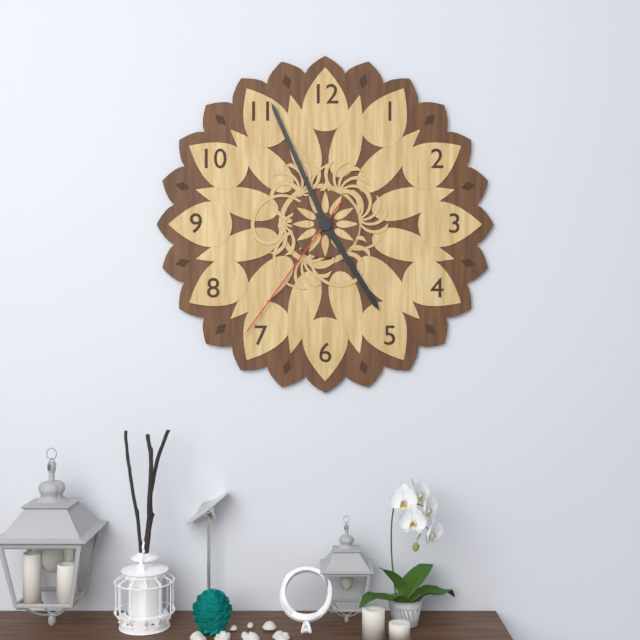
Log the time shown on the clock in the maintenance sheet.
4:56:36
